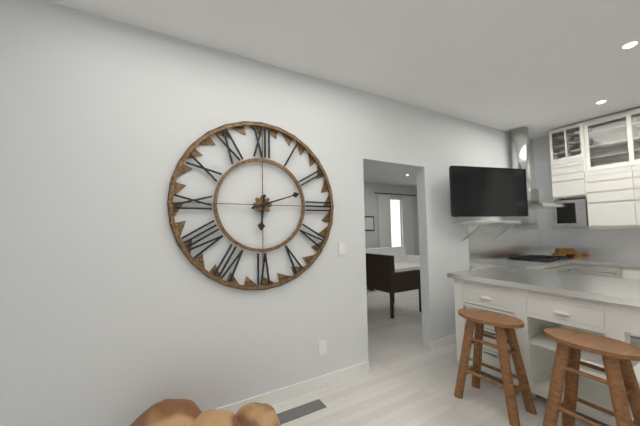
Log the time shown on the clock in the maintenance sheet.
6:12
